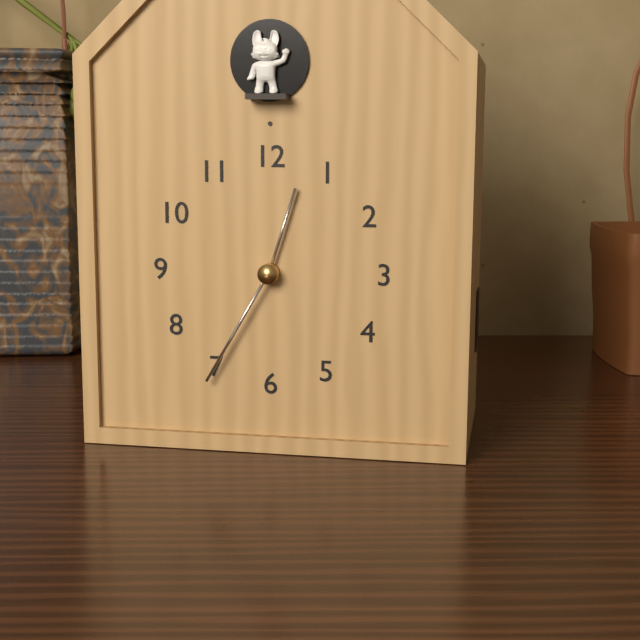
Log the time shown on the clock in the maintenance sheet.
12:35
